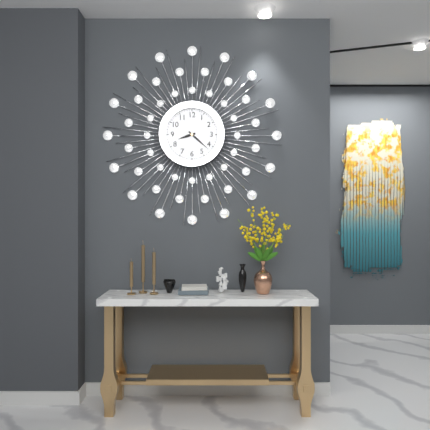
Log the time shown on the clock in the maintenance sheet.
8:22
